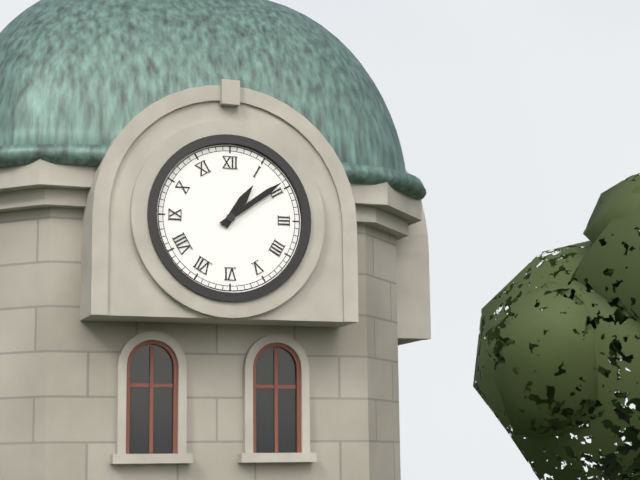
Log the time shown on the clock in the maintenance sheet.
1:09
